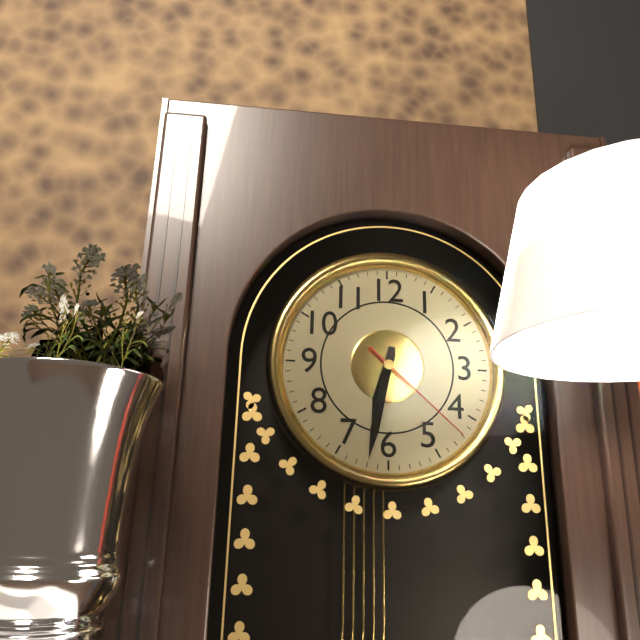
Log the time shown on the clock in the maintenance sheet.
6:32:22
